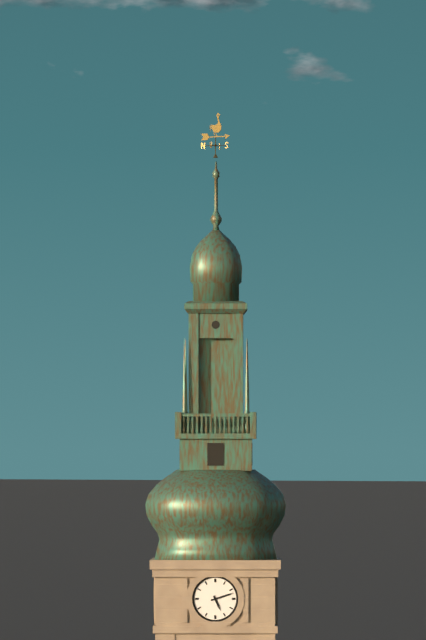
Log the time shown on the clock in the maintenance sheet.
5:12
